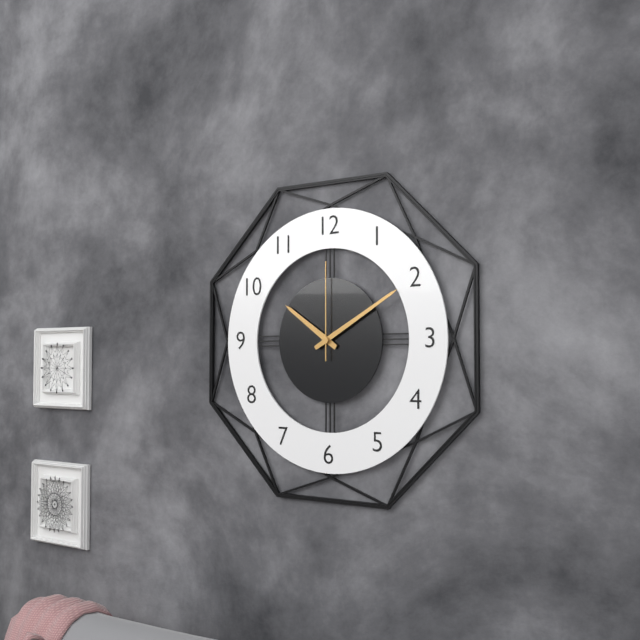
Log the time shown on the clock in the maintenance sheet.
10:10:00
